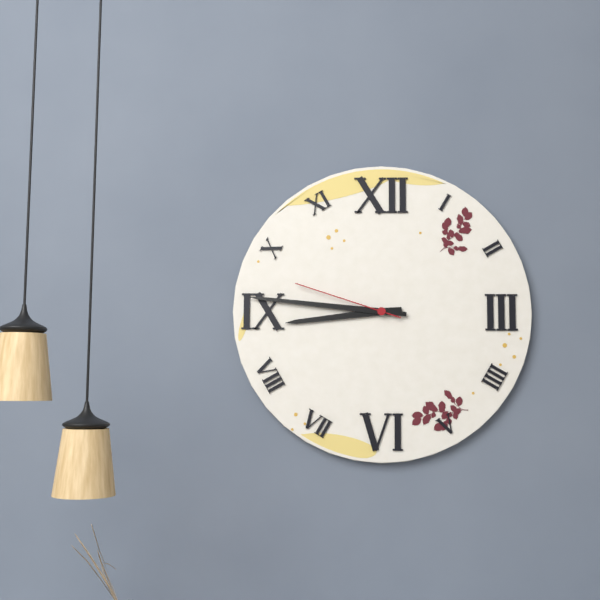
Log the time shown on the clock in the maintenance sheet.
8:46:48
